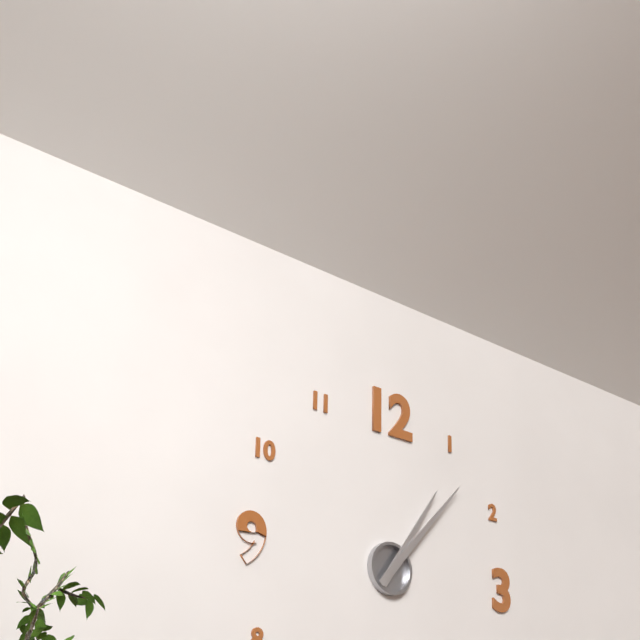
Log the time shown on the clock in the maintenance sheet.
1:07
